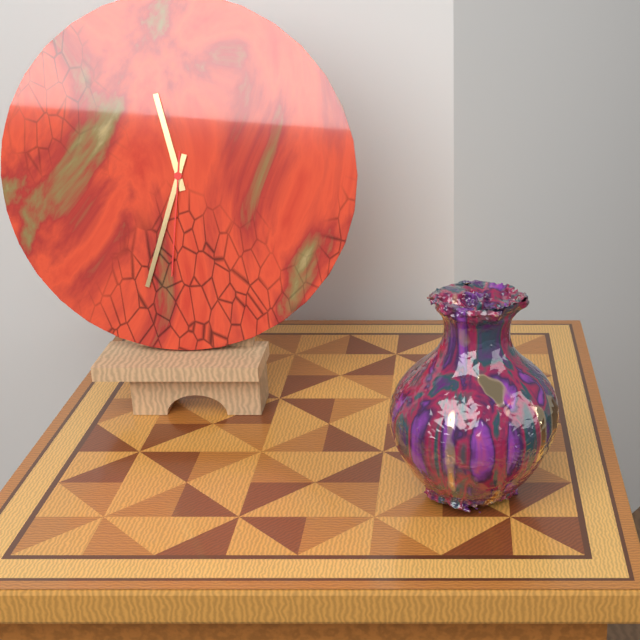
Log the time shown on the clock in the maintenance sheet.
11:33:31
